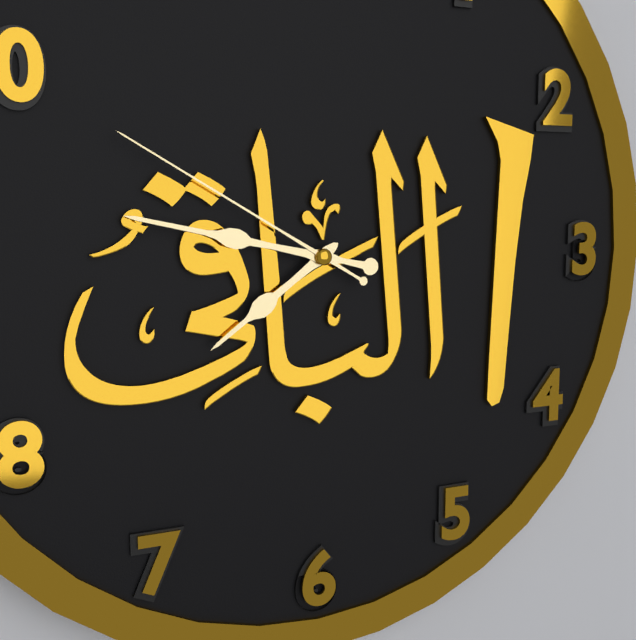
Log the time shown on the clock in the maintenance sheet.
7:47:50
